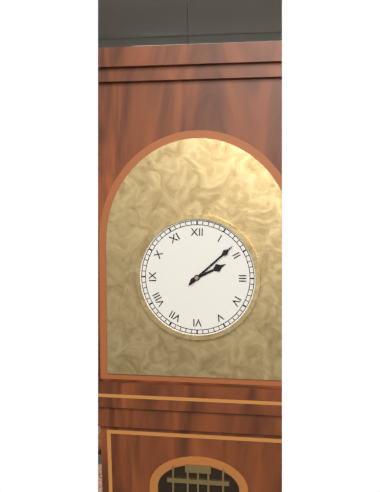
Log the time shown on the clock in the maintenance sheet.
2:08
